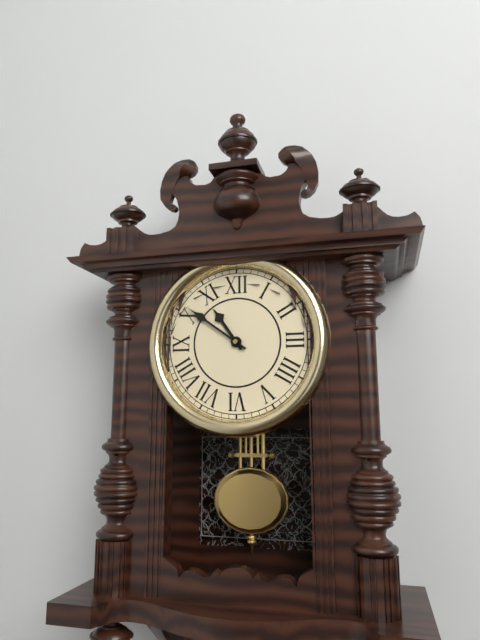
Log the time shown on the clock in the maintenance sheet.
10:51
